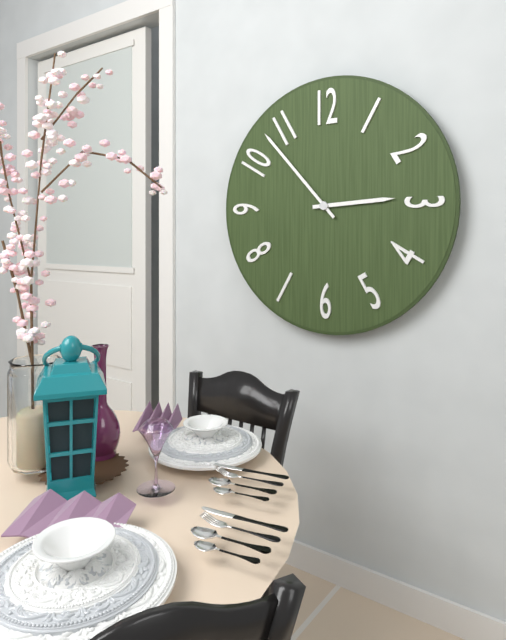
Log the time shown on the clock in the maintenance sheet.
2:53
